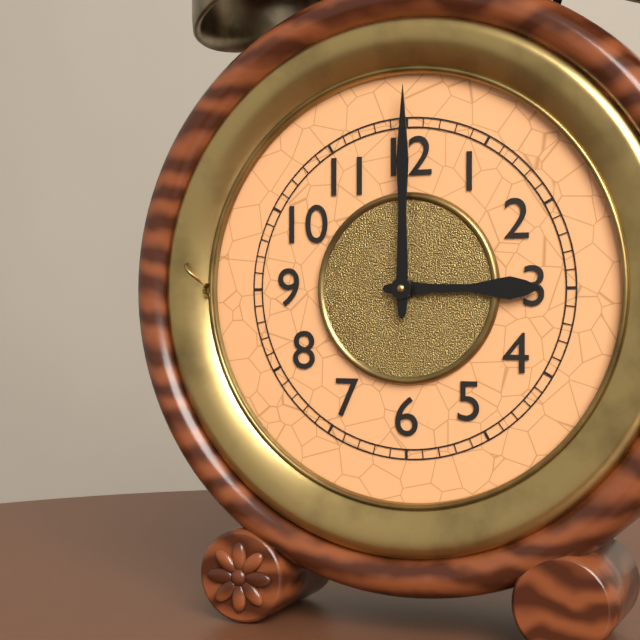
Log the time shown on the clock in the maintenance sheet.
3:00
